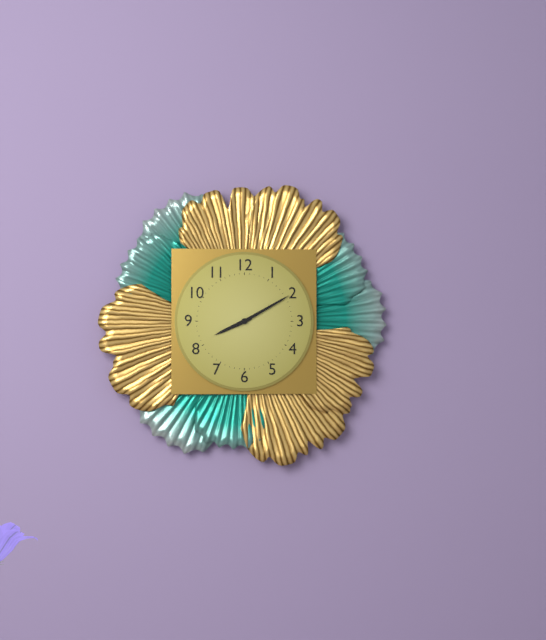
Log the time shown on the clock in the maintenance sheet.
8:10
